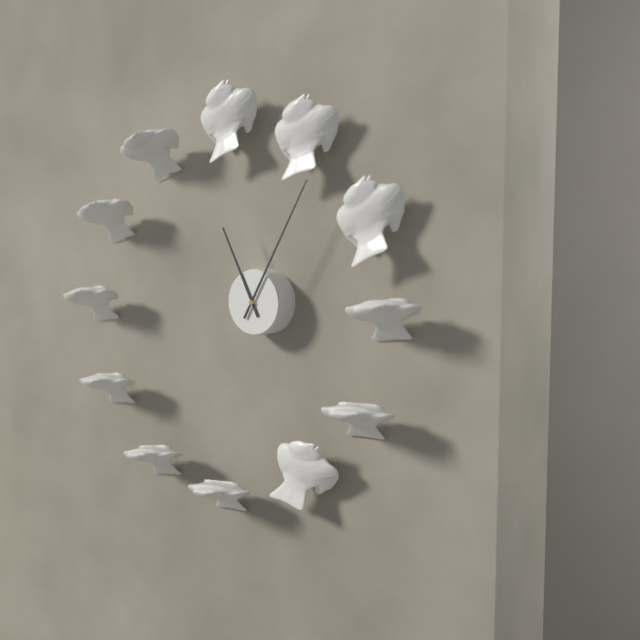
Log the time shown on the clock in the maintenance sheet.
11:05
